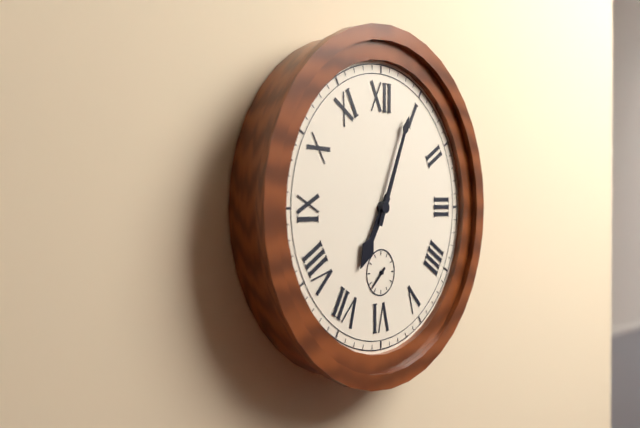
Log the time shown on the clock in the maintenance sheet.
7:04
